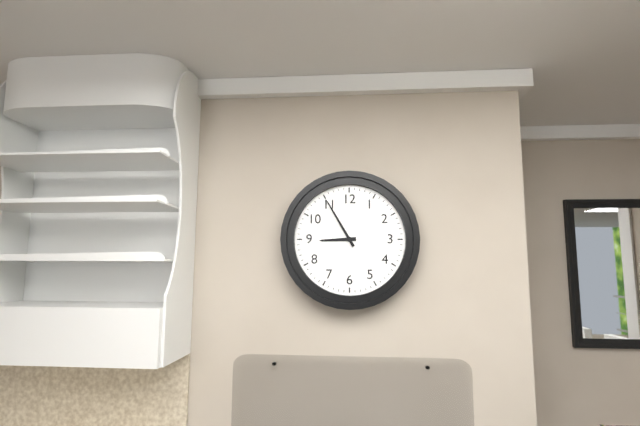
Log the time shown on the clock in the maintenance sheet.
8:55
